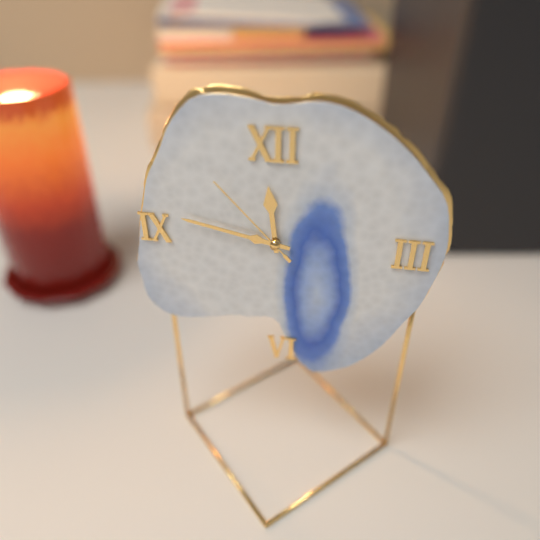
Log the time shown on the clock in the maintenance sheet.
11:47:53
